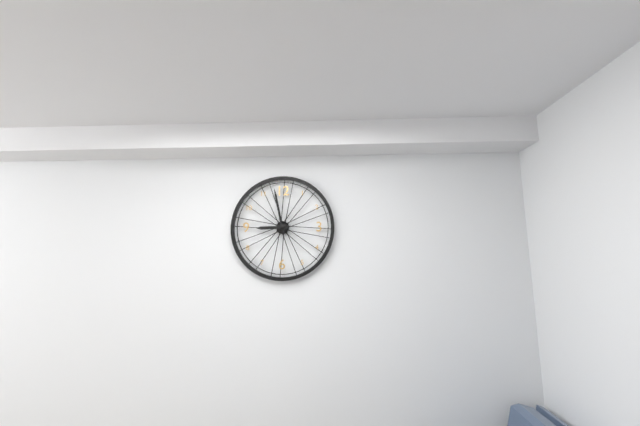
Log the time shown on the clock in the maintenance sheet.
8:58
